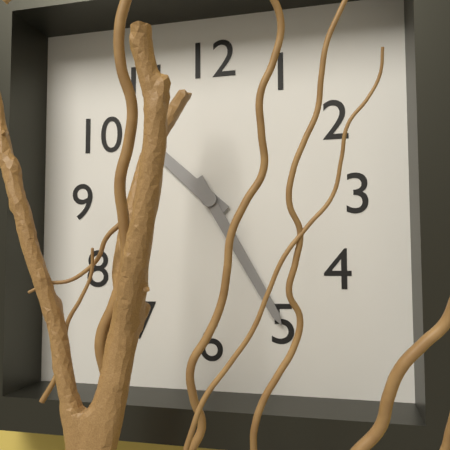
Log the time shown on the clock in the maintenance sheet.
10:25
